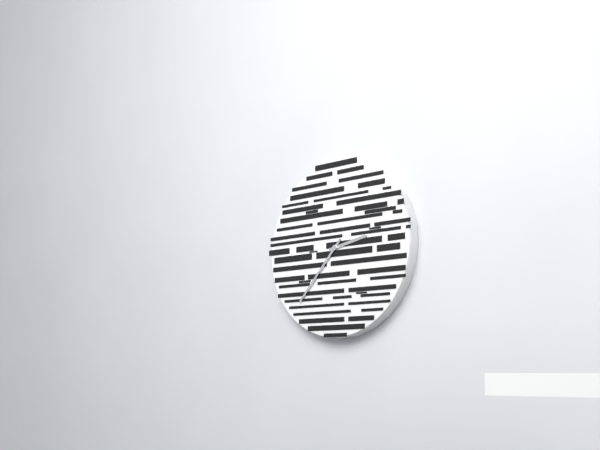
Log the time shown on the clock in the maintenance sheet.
2:37
